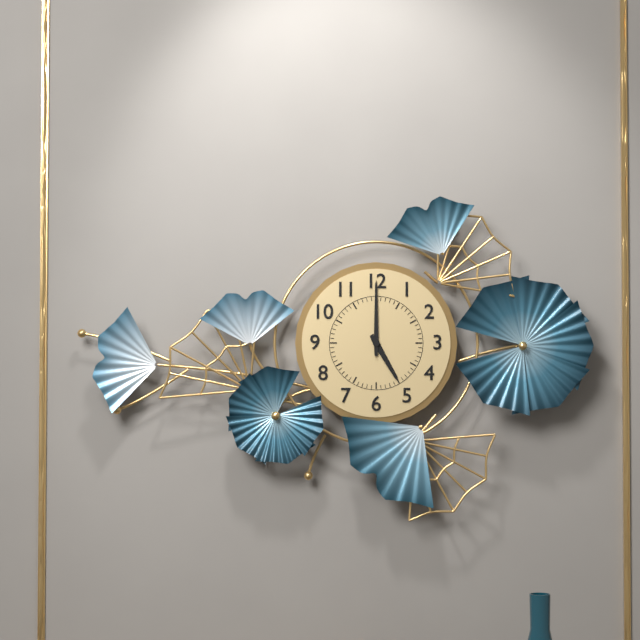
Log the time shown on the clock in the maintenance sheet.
5:00
